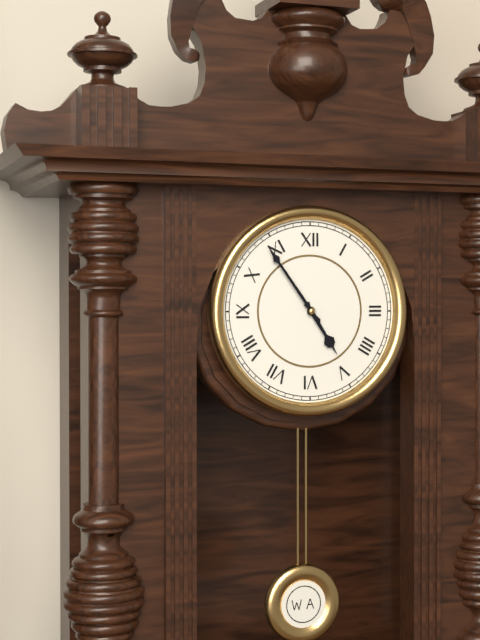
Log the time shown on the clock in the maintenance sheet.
4:54
